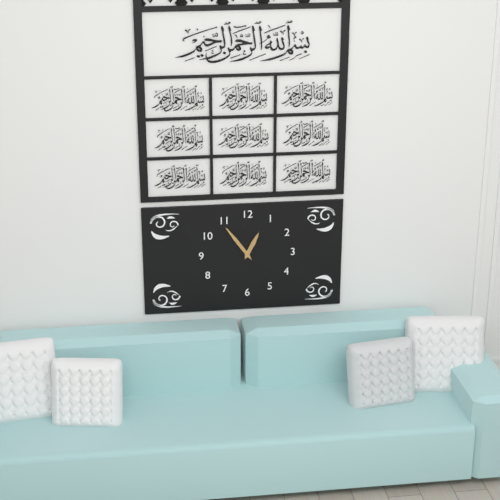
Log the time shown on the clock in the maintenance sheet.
12:54
